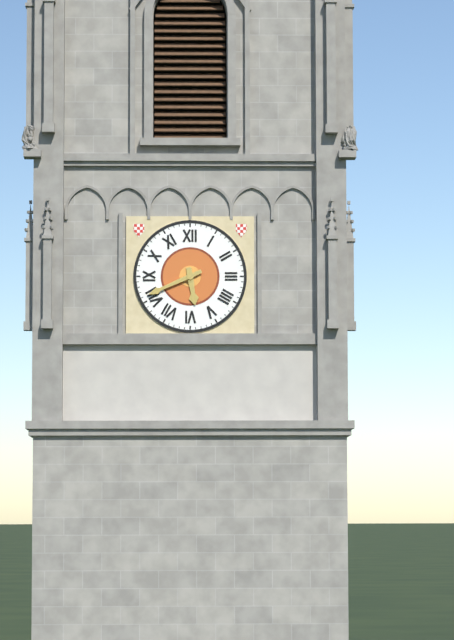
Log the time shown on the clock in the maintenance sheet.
5:41
